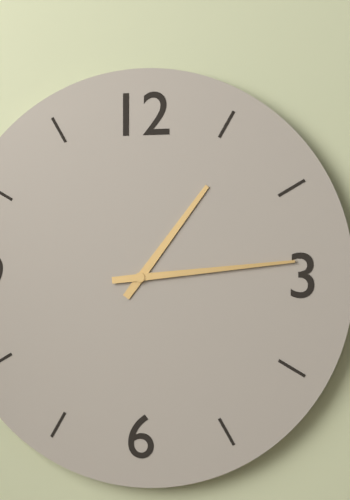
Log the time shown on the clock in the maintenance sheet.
1:14
